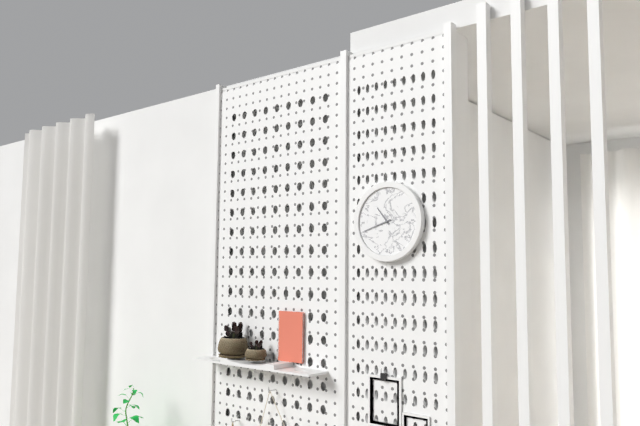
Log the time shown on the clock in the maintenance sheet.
10:42
